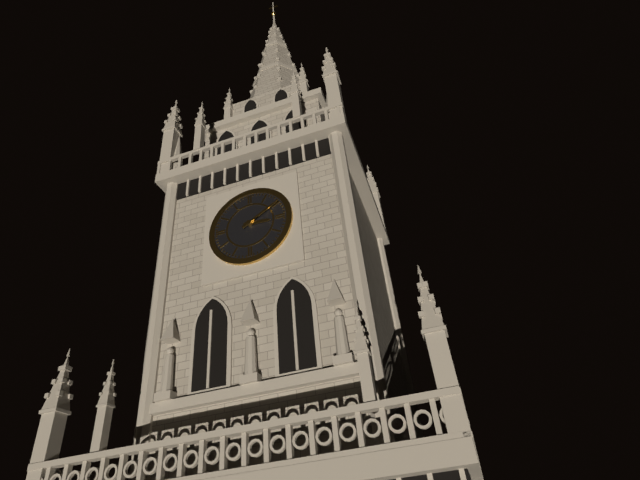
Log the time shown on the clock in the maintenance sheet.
3:10
